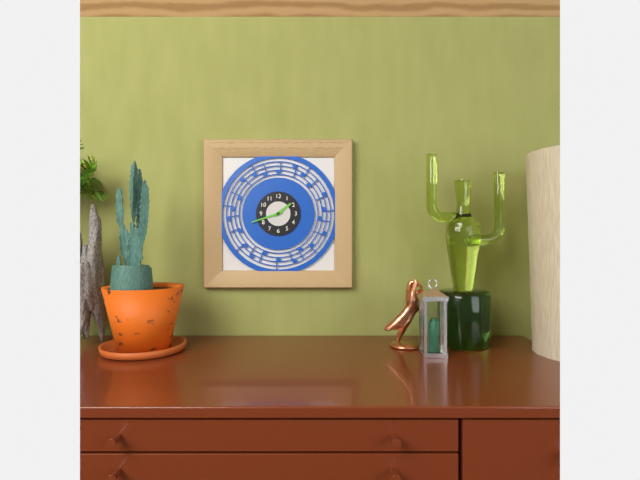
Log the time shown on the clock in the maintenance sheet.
1:42
